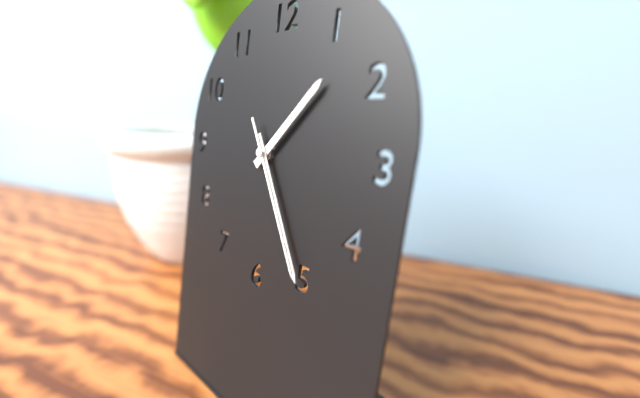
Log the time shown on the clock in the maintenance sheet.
1:25:25
